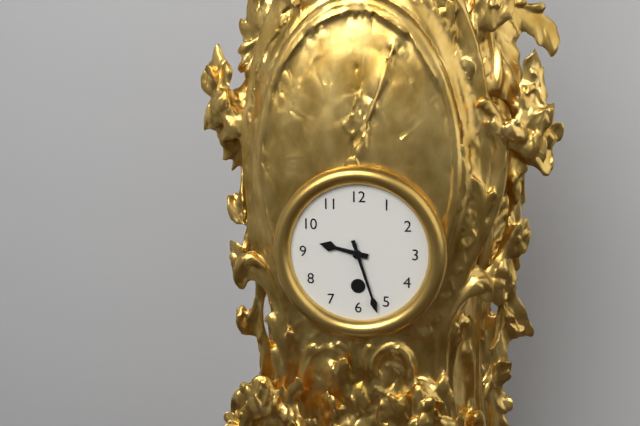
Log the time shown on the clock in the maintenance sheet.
9:27
